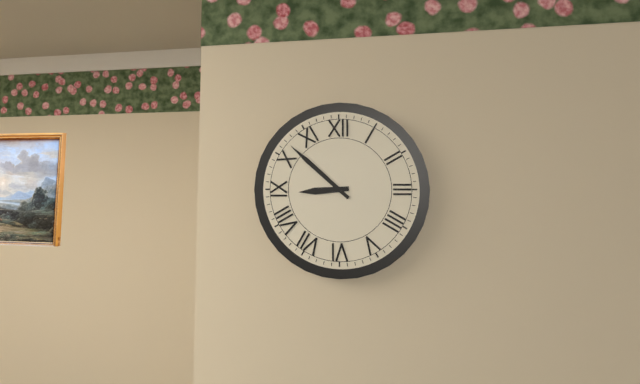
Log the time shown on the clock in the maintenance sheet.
8:52
